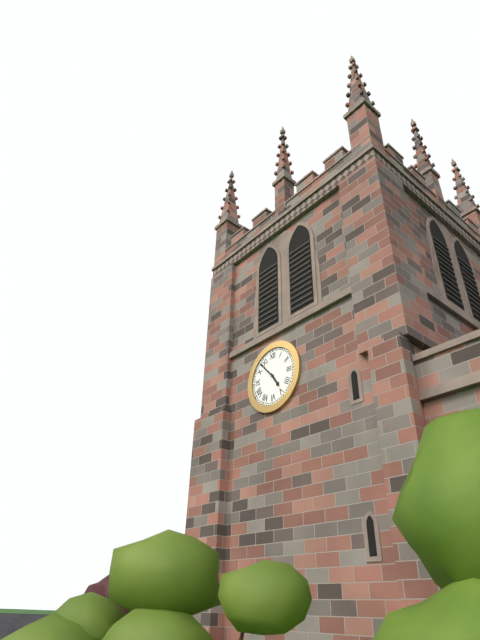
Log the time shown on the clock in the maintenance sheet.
4:53
